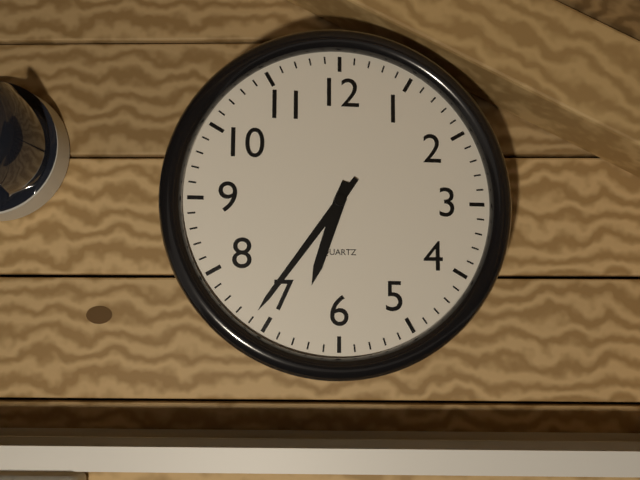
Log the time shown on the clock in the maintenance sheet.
6:36
